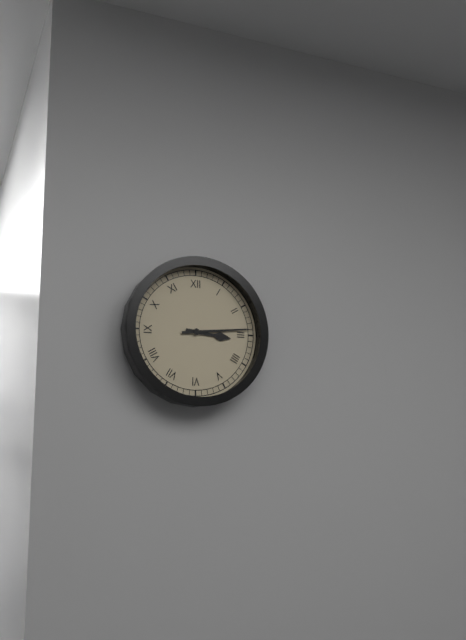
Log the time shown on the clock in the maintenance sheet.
3:14
